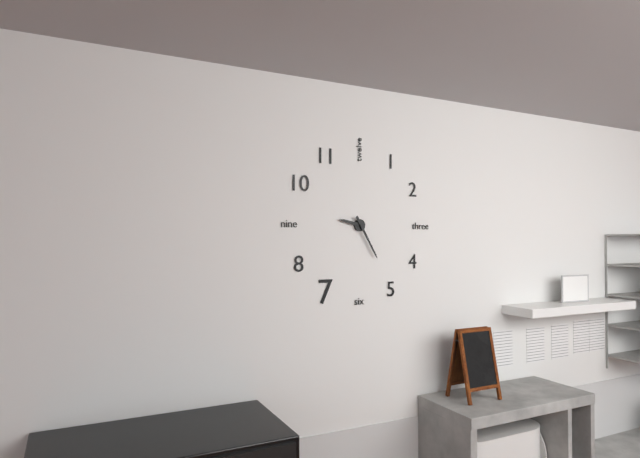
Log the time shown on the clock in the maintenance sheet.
9:25
